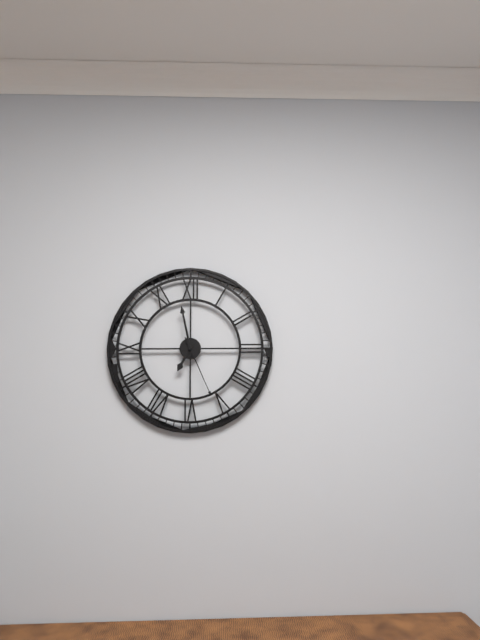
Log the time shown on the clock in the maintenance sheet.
6:58:26
